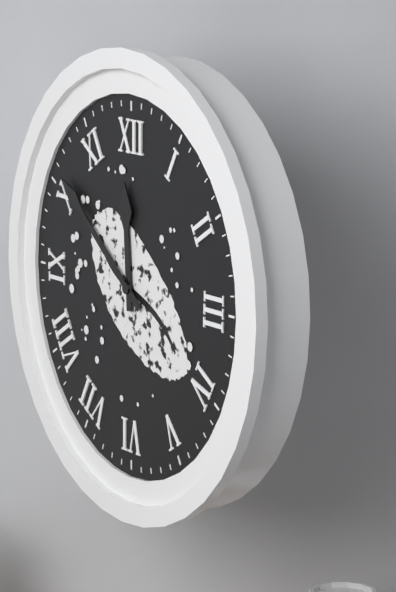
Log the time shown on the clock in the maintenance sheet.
11:51
